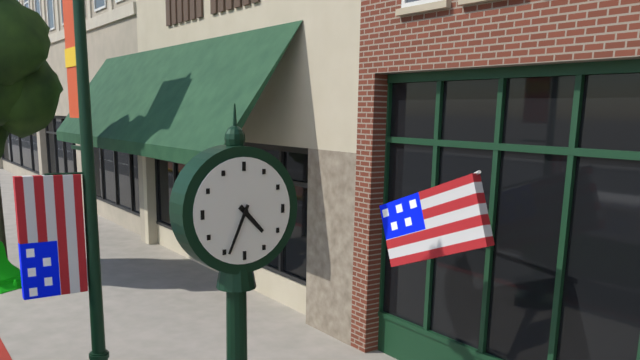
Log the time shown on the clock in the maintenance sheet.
4:34
